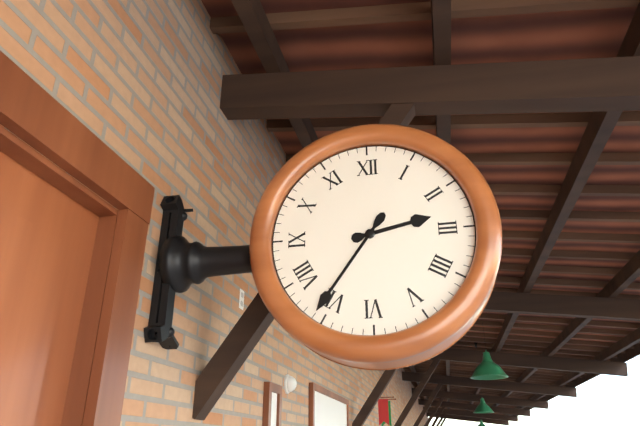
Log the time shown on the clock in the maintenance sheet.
2:36
